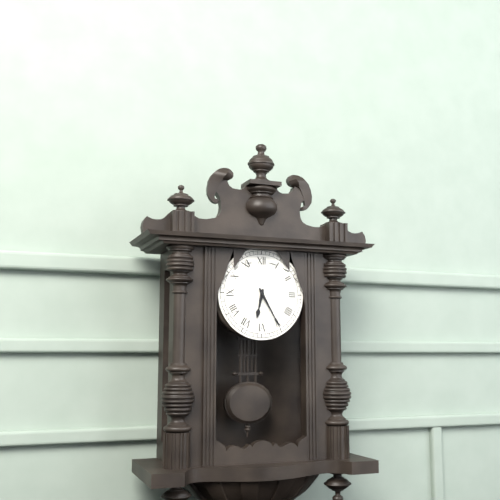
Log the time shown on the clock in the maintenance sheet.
6:25
